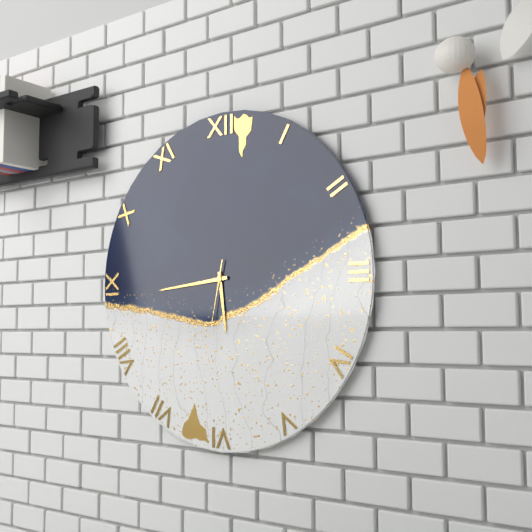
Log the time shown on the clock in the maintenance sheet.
5:44:32
